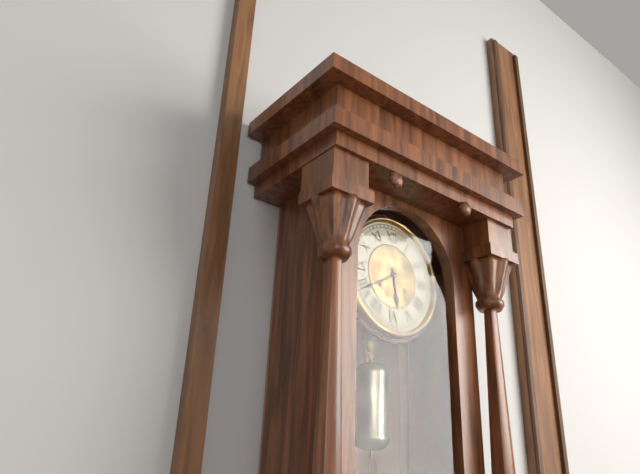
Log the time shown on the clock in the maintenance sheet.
5:40
